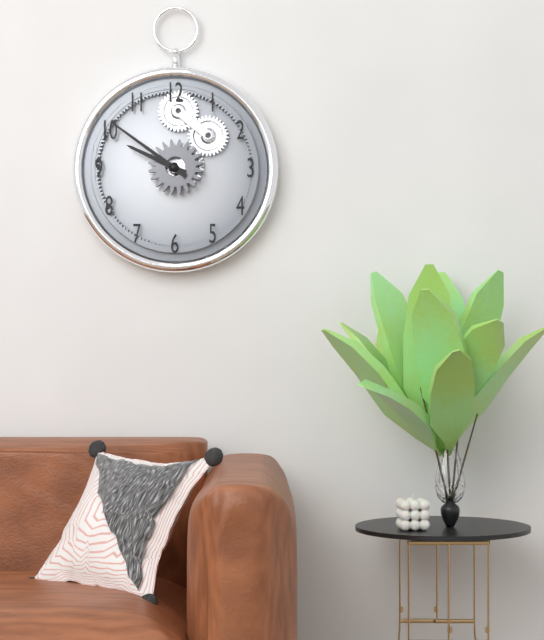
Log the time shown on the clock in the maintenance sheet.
9:51
